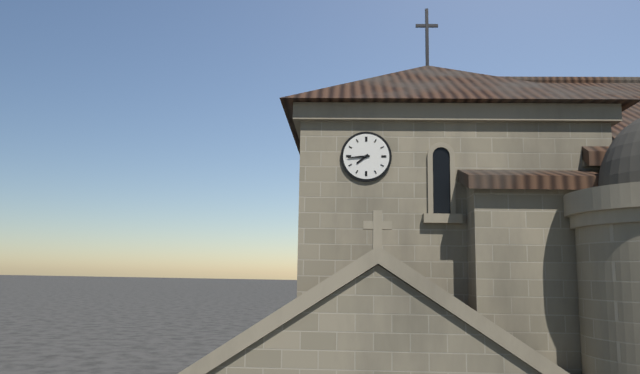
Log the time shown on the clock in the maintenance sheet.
7:44
